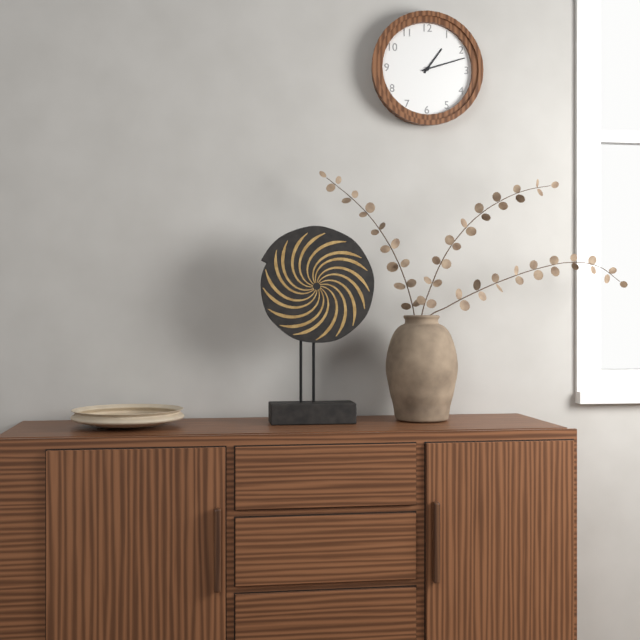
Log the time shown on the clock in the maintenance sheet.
1:12
